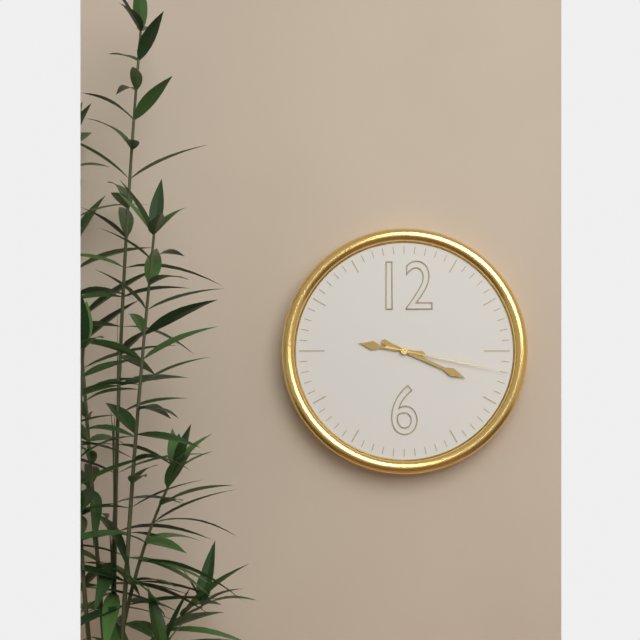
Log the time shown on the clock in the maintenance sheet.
9:19:17
